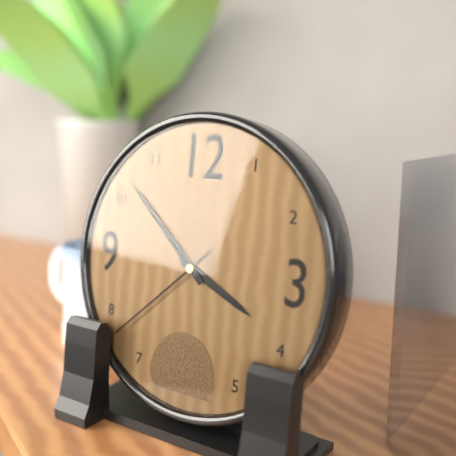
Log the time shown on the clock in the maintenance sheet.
3:52:38
